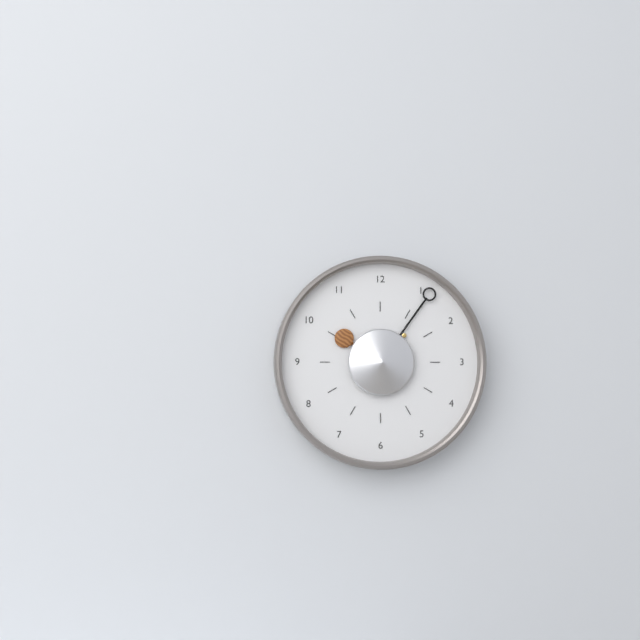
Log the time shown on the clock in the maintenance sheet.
10:06
